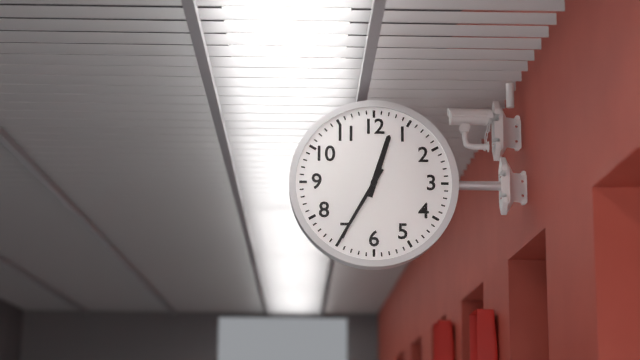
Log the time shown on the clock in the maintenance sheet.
12:35
